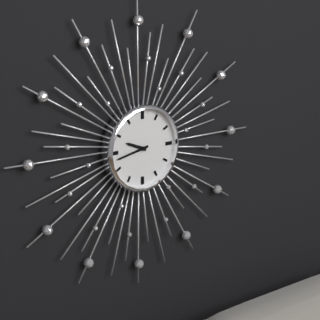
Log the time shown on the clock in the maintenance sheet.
9:43
